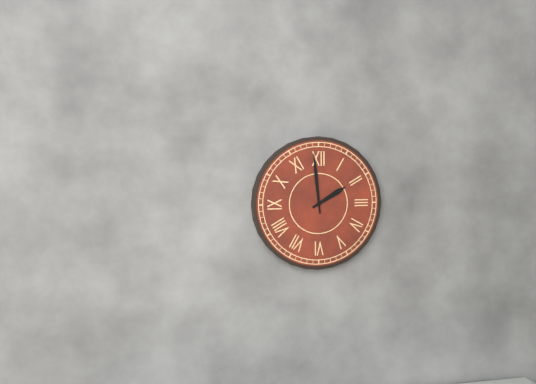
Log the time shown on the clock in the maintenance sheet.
1:59
